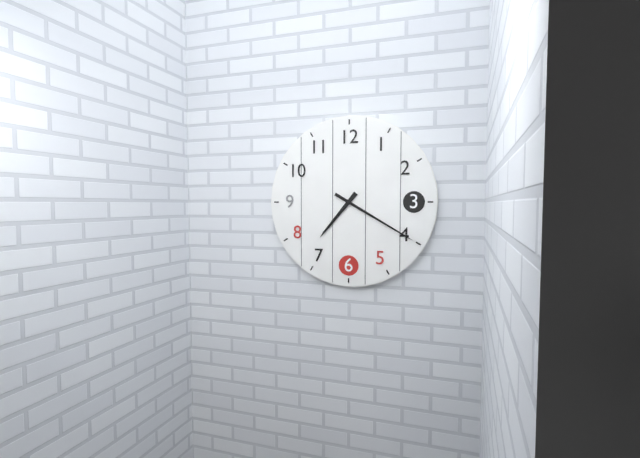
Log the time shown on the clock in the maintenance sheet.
7:20
